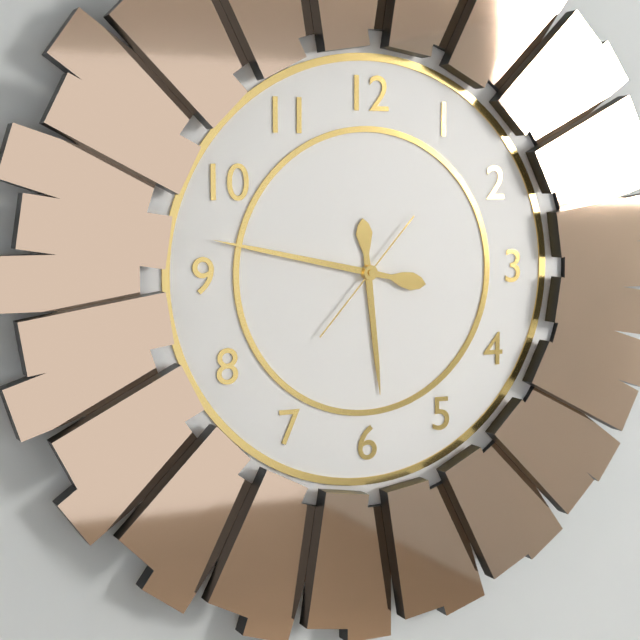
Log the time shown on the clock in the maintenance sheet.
5:47:37
